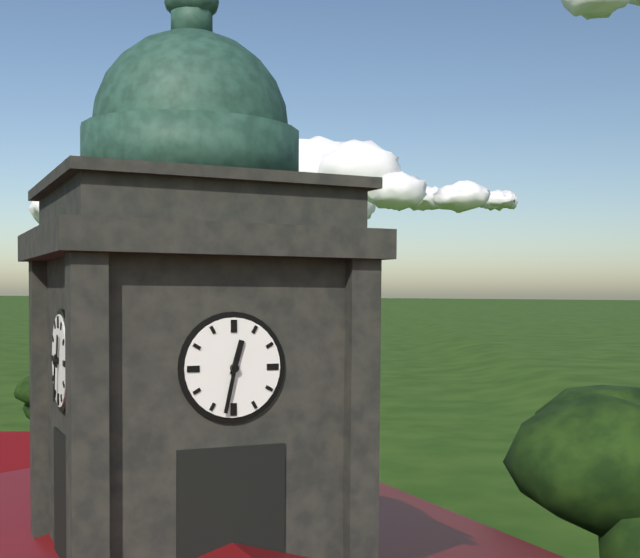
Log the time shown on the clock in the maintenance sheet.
12:32
